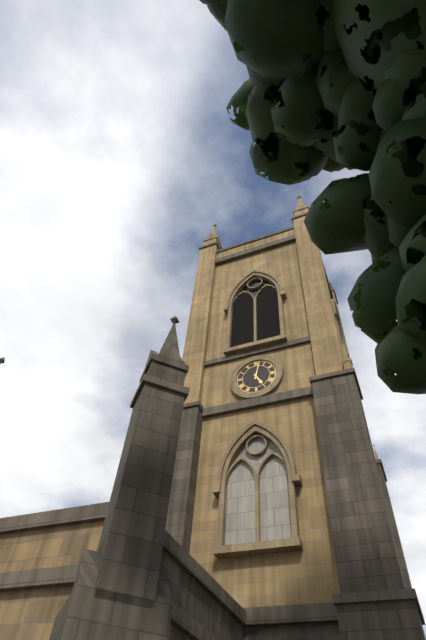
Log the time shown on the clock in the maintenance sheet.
5:02
